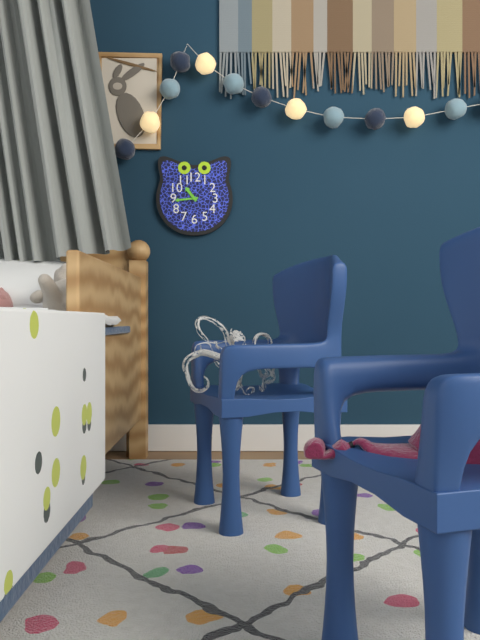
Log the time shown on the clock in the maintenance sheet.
10:44
